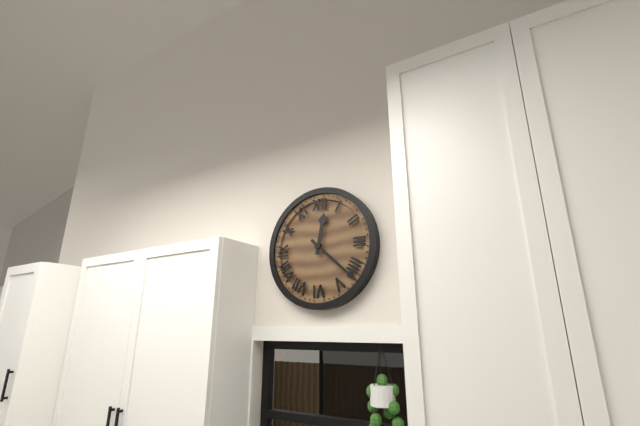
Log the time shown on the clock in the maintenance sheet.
12:22
